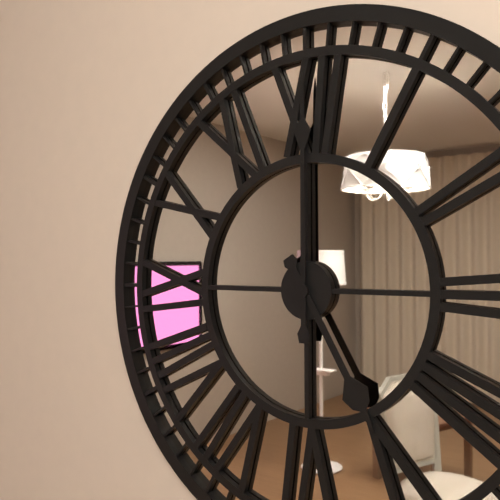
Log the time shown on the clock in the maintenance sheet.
5:00
